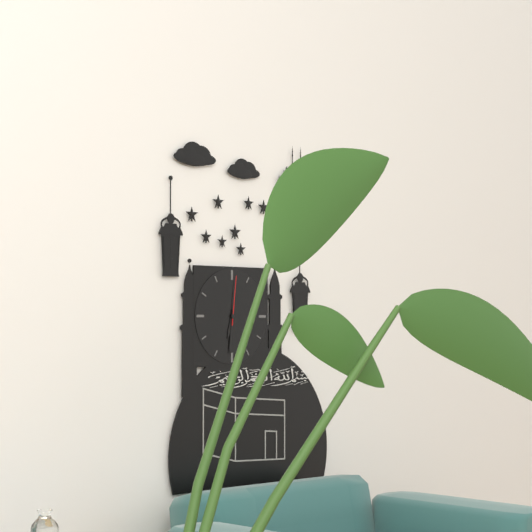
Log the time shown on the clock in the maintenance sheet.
6:31:01
